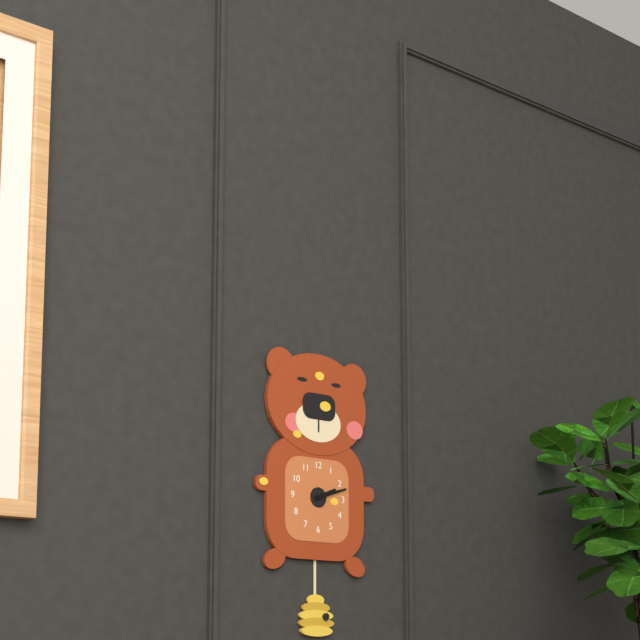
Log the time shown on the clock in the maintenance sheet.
2:12
